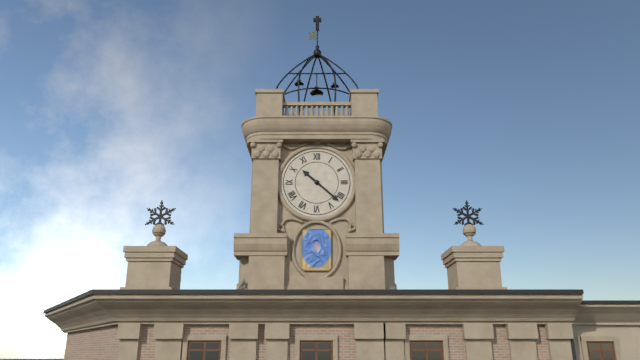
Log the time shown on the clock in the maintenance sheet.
10:22
